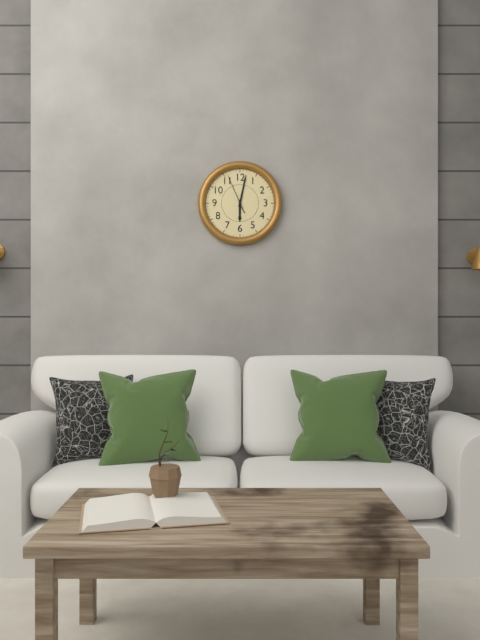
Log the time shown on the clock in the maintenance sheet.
6:02
